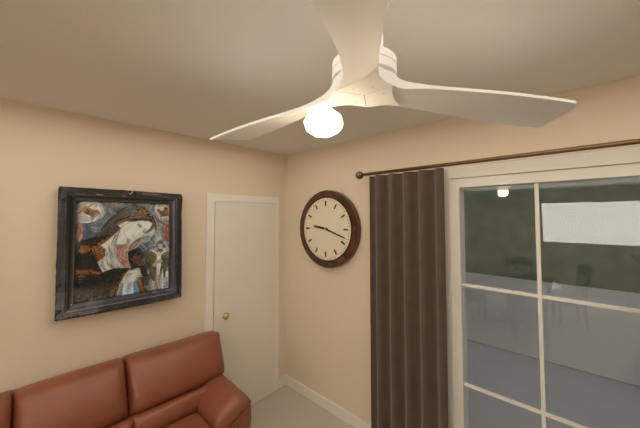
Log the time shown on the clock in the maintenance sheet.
9:18
